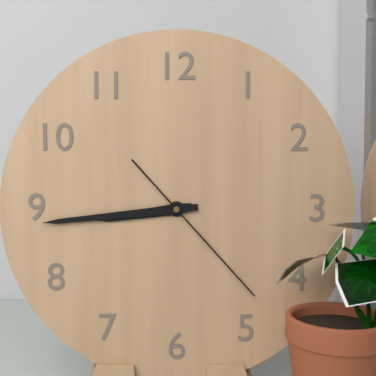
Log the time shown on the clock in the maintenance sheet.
8:44:23
